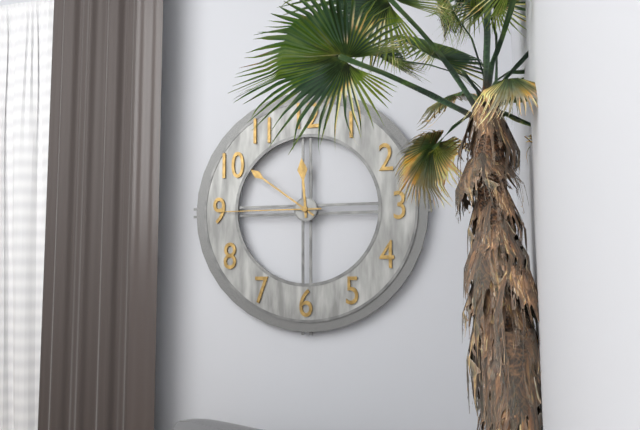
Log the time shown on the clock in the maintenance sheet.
11:51:45
